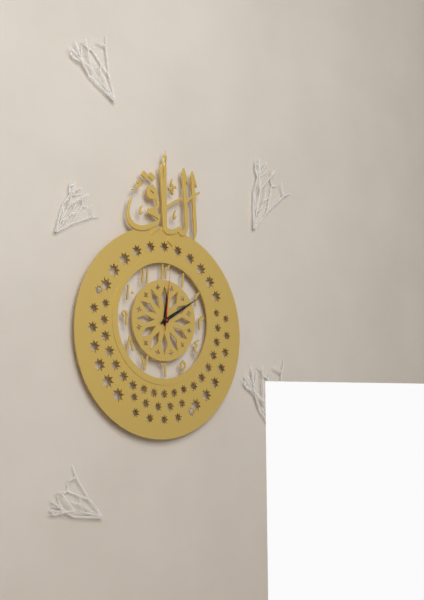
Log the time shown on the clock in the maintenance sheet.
12:10:01
